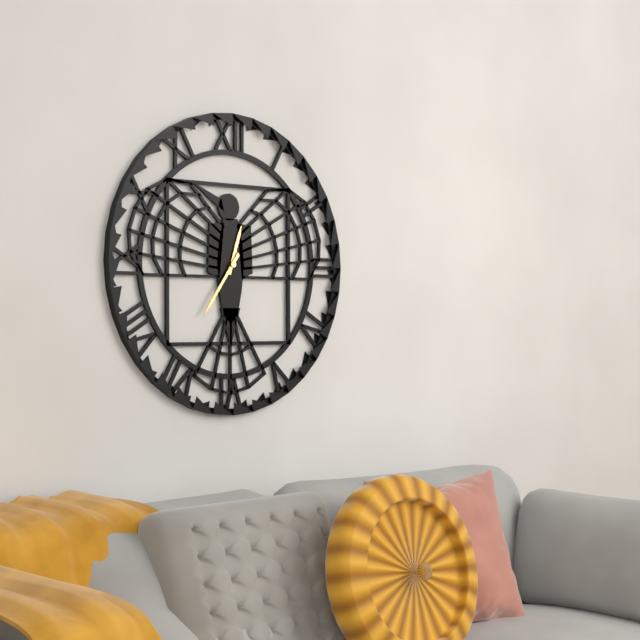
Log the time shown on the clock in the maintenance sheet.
12:36
